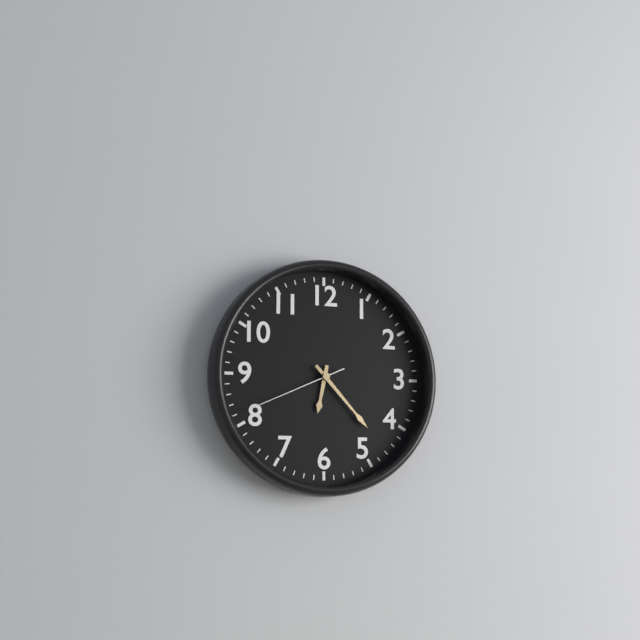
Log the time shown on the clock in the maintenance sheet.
6:23:41
